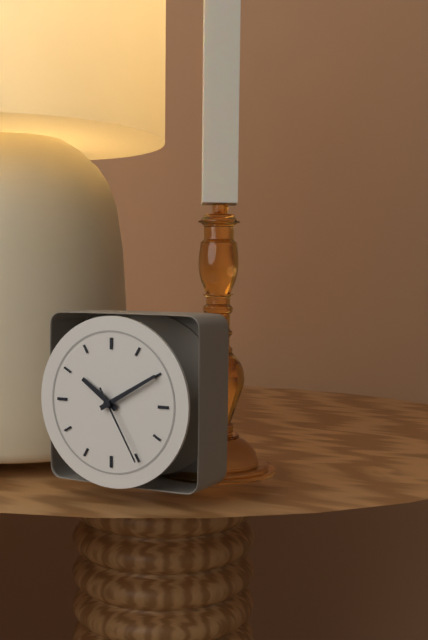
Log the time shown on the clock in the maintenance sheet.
10:10:25
